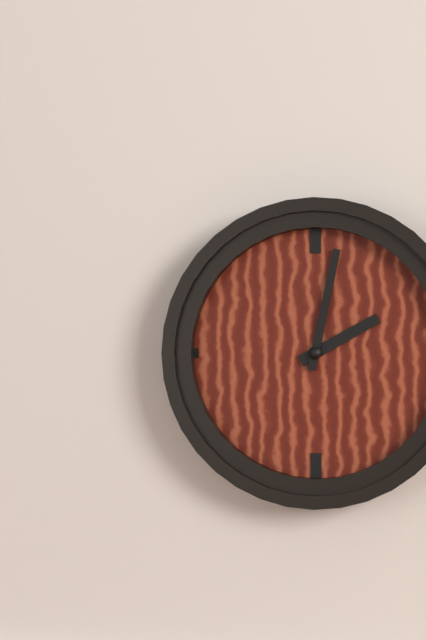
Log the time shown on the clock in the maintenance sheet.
2:02
